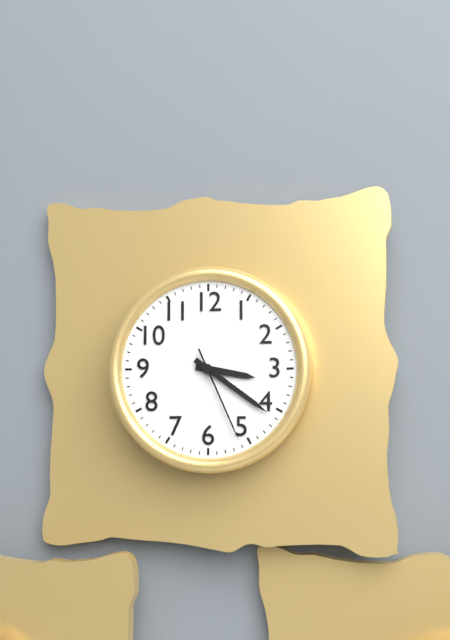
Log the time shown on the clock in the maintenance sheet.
3:21:26
